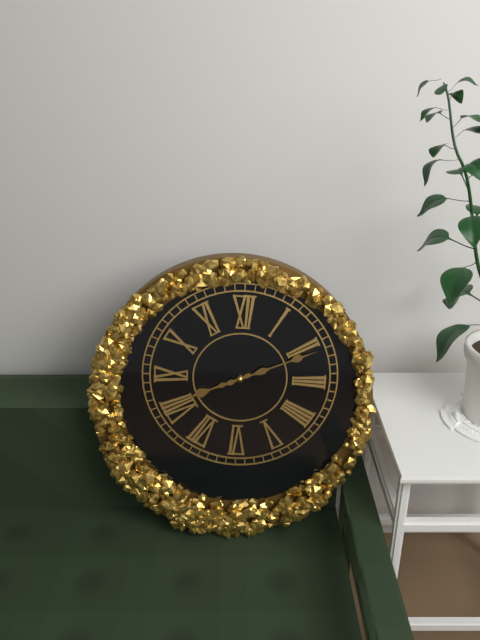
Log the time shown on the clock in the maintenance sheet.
8:11
